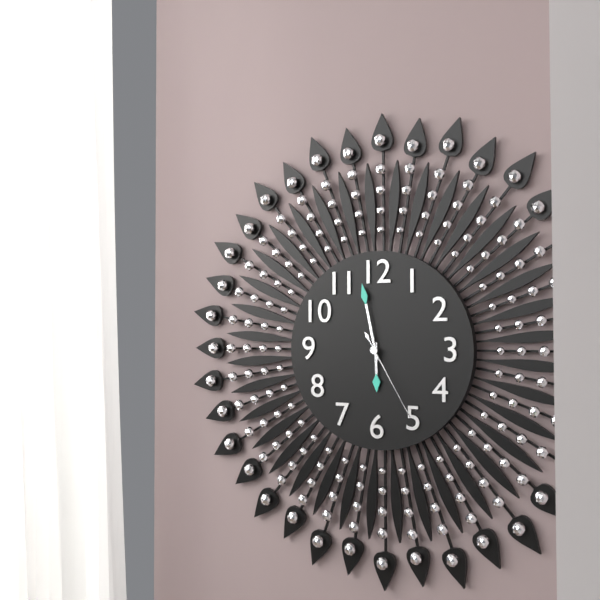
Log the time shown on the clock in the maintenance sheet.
5:58:25
